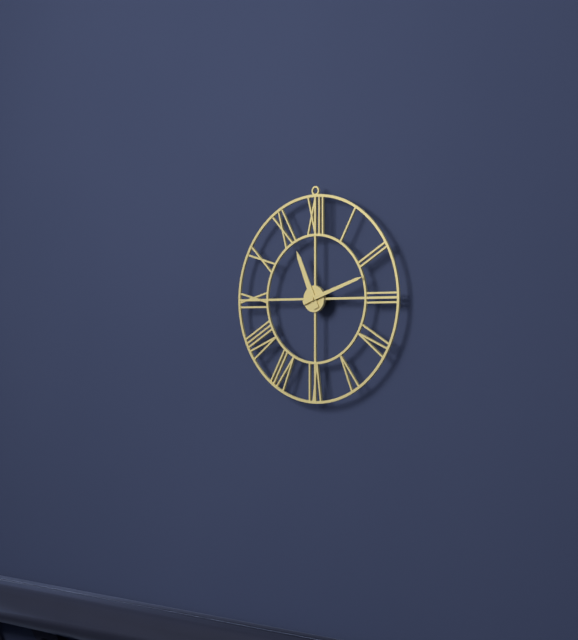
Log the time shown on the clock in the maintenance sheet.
11:12
